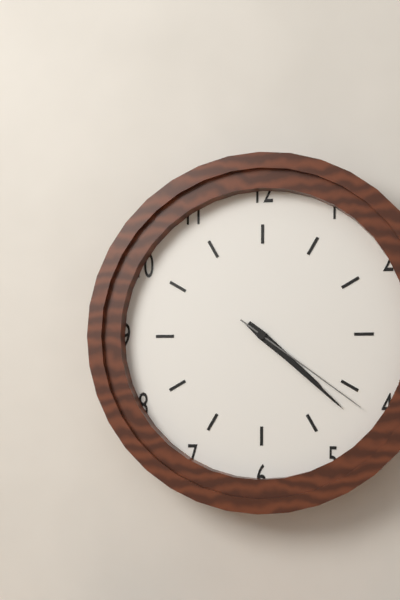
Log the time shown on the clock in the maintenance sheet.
4:22:21
